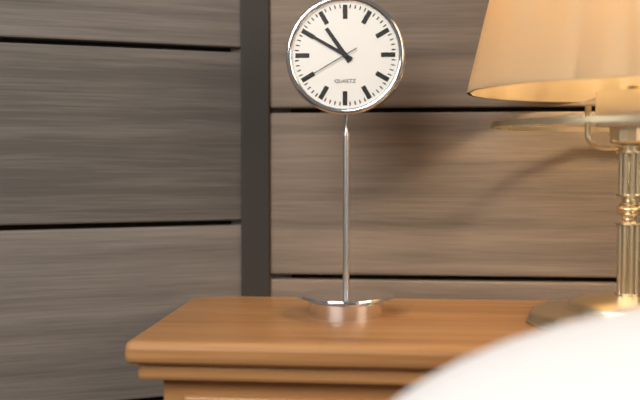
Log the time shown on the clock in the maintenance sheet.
10:50:40
